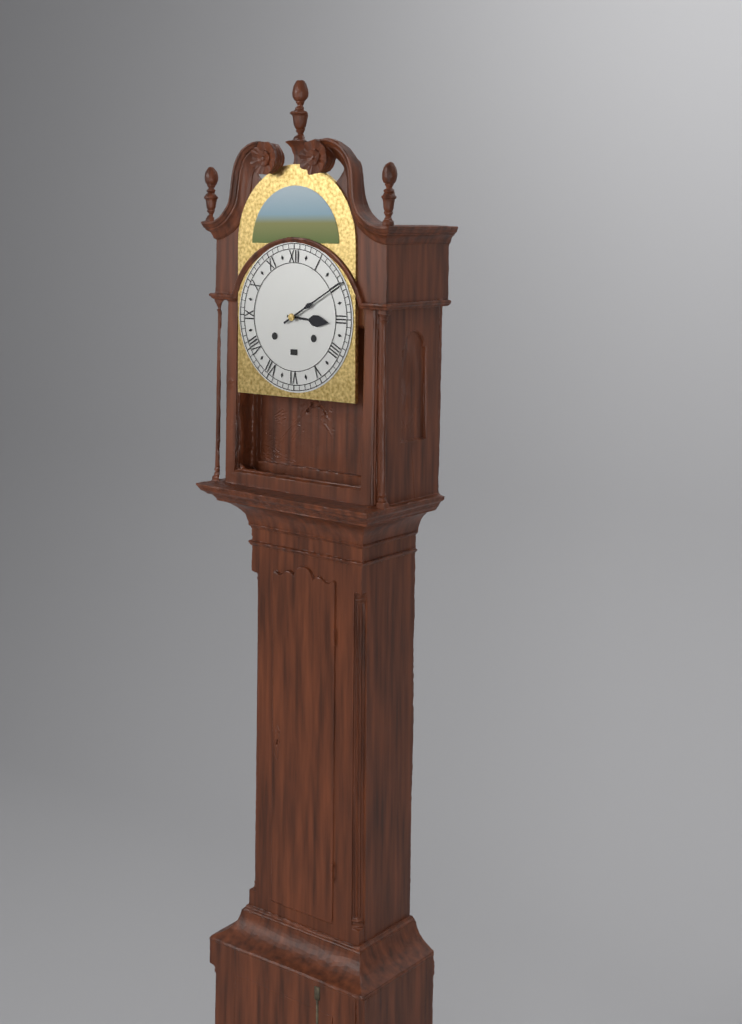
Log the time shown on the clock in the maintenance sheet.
3:10
